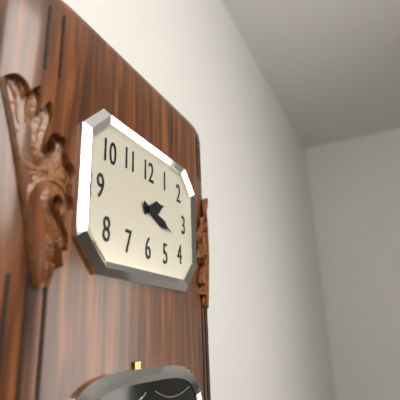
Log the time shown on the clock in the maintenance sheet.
2:18
